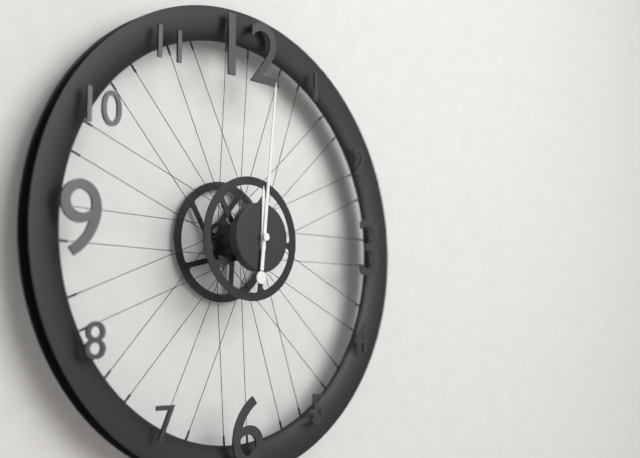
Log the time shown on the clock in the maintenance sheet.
12:01
